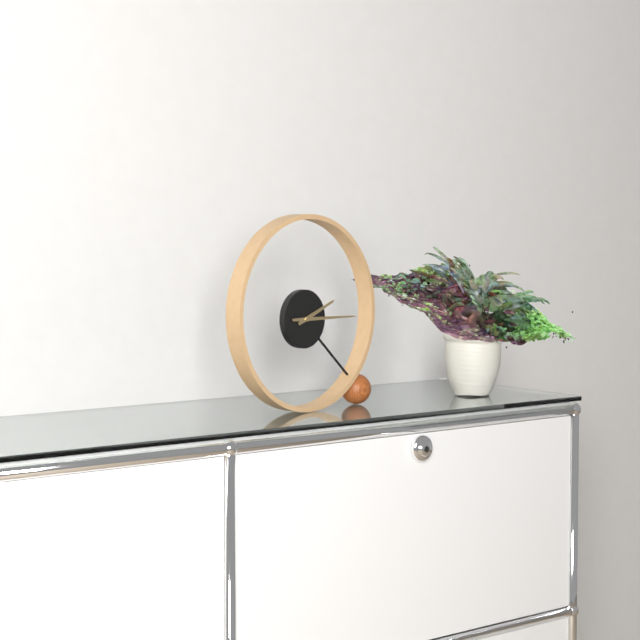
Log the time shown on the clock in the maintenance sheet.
2:15
